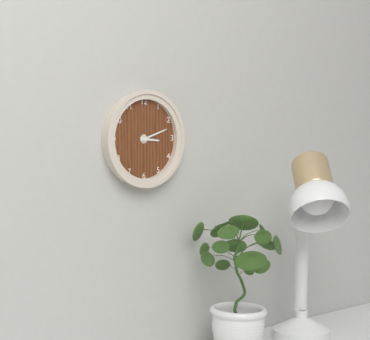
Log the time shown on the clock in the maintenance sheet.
3:12
